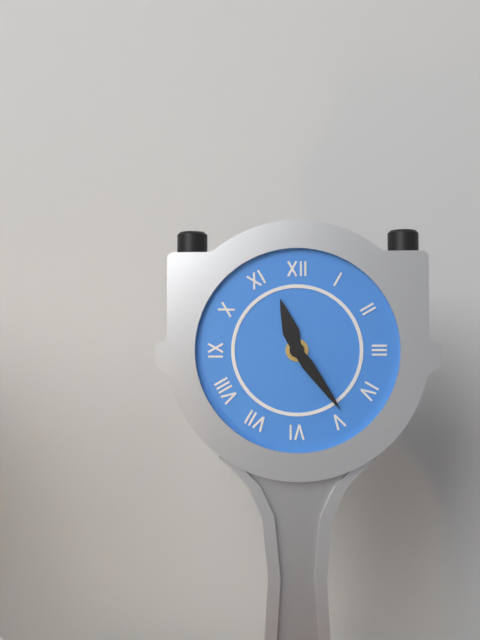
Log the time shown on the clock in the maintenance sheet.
11:24
